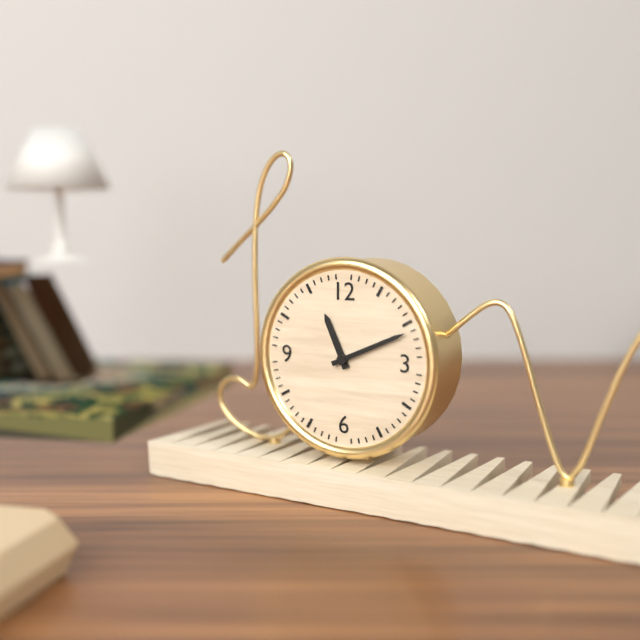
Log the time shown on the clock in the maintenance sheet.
11:11
